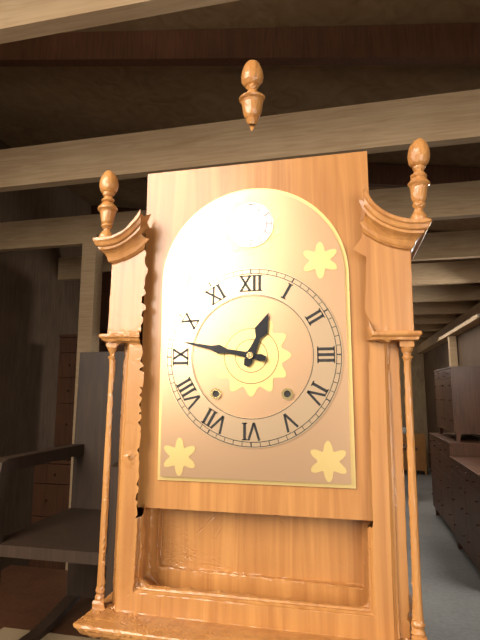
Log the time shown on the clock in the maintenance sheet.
12:47
